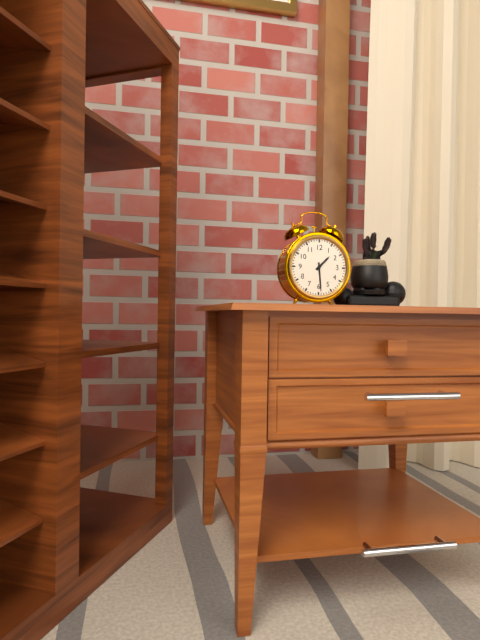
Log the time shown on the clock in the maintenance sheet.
1:29
